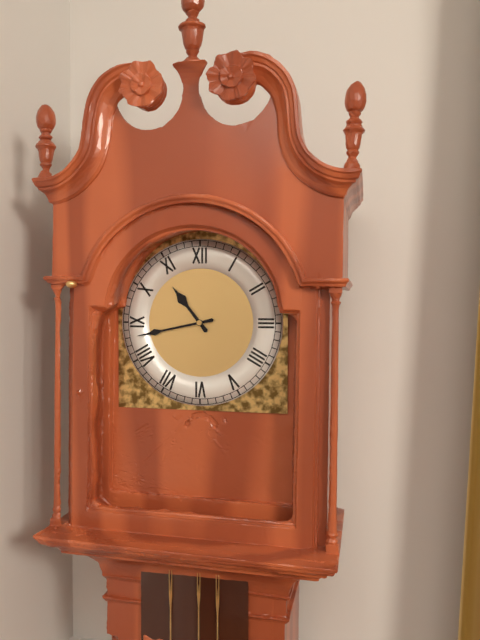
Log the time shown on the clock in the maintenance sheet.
10:43
